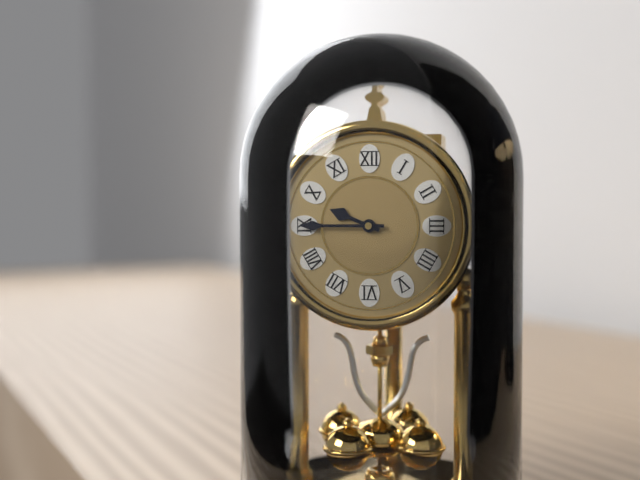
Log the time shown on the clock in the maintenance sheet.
9:45
